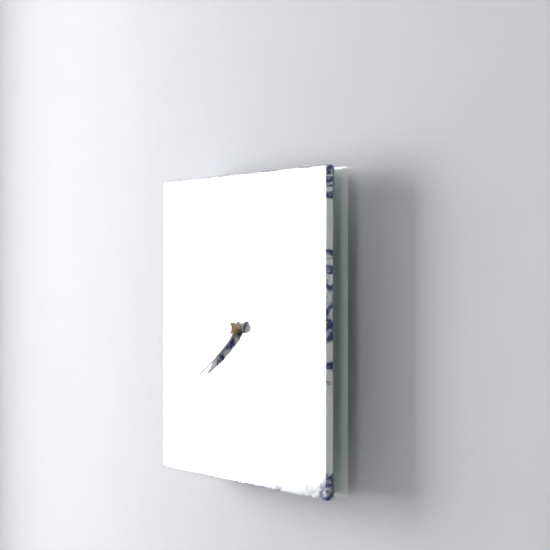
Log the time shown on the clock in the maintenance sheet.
8:39
